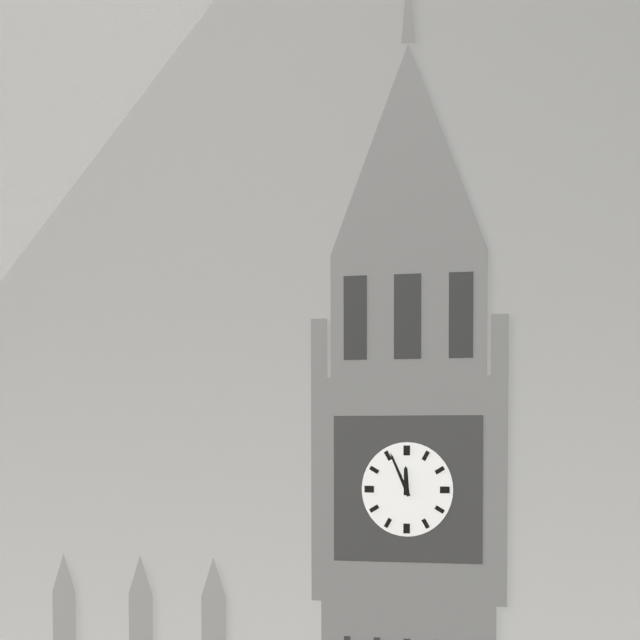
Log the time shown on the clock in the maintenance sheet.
11:56
